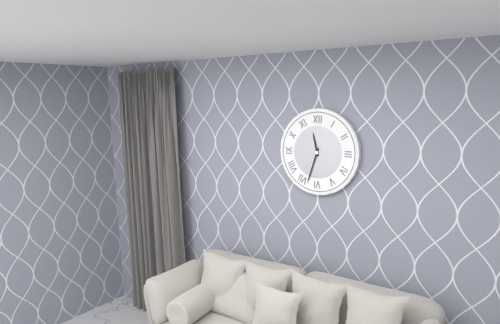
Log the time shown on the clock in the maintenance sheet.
11:33
